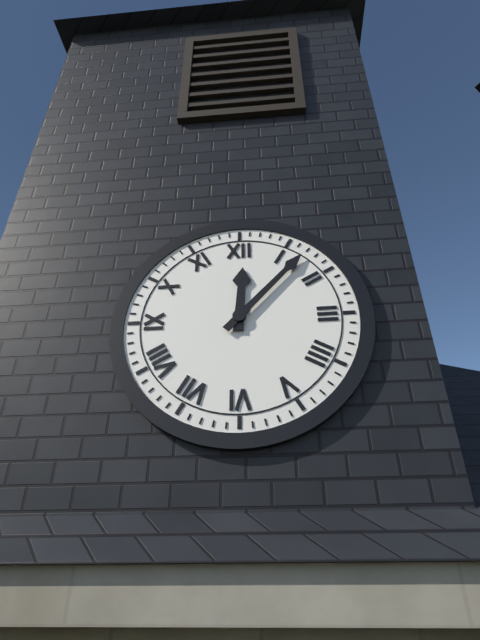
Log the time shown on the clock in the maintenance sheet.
12:07
